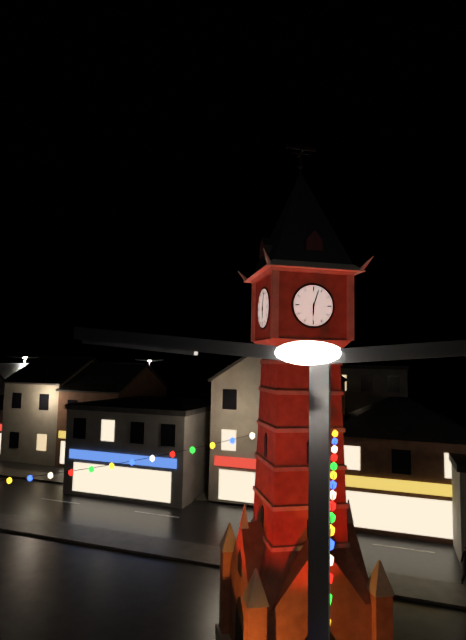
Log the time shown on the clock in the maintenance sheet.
6:03
